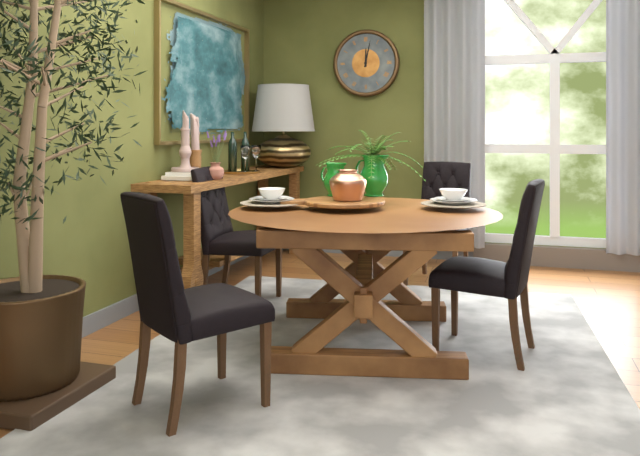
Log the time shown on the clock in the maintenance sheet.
12:02
